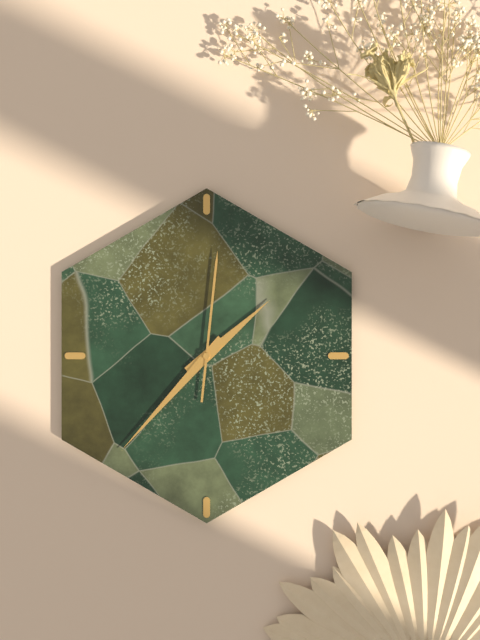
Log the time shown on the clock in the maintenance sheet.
1:37:01
